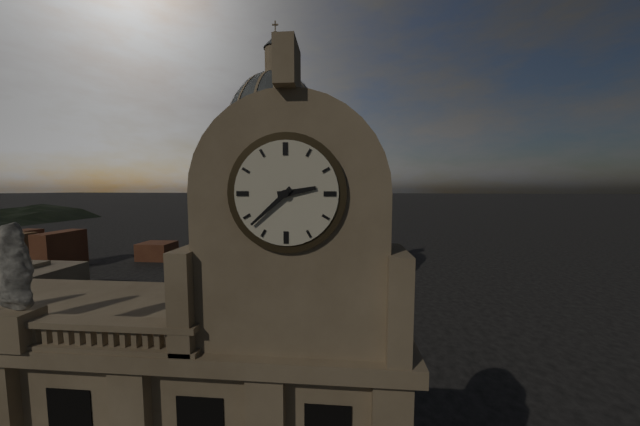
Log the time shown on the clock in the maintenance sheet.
2:38
